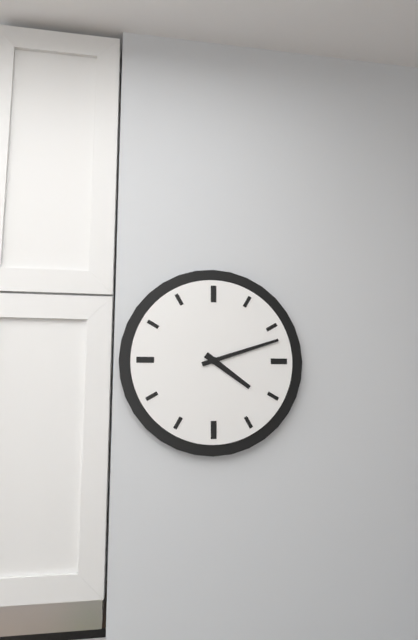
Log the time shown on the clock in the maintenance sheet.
4:12
